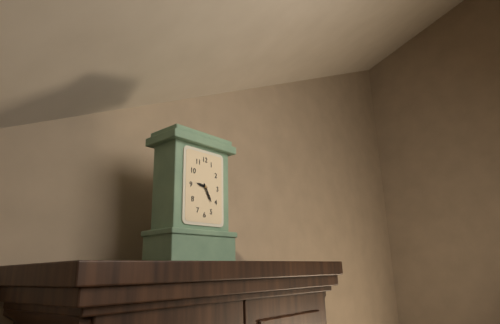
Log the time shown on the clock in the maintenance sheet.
9:25
